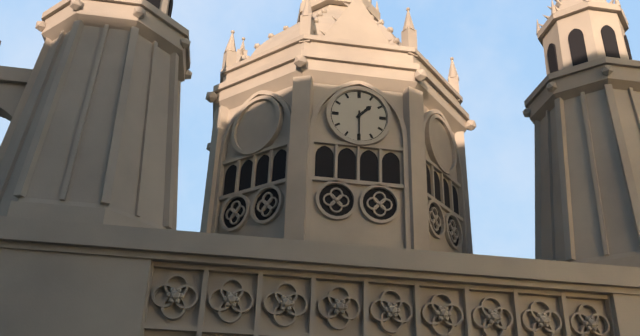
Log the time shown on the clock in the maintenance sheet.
1:30
